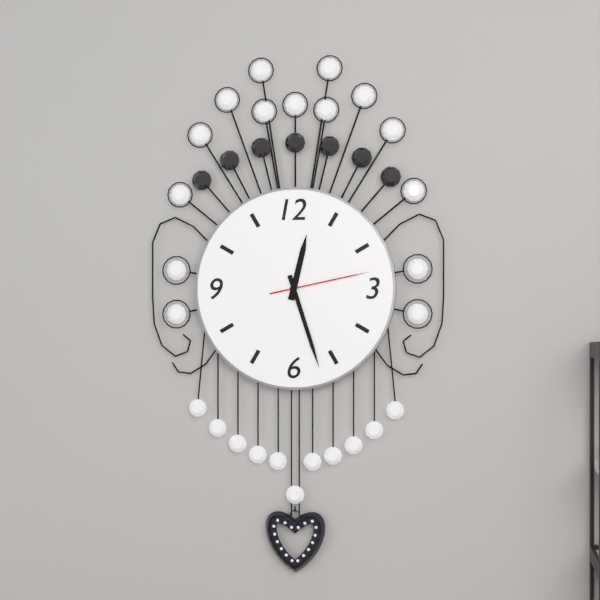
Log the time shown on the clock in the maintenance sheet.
12:27:13
